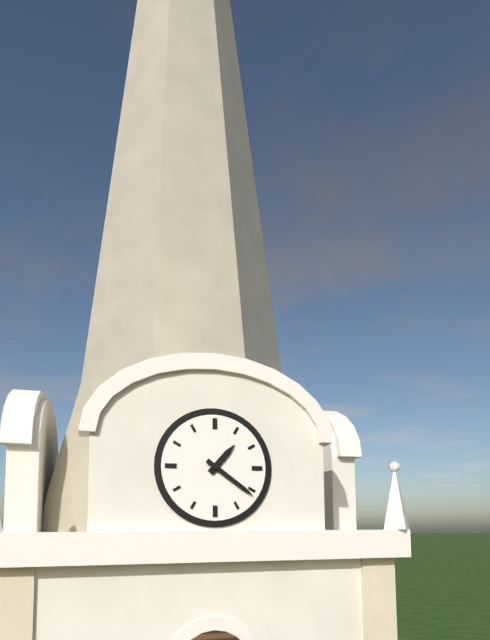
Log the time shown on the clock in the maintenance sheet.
1:21
